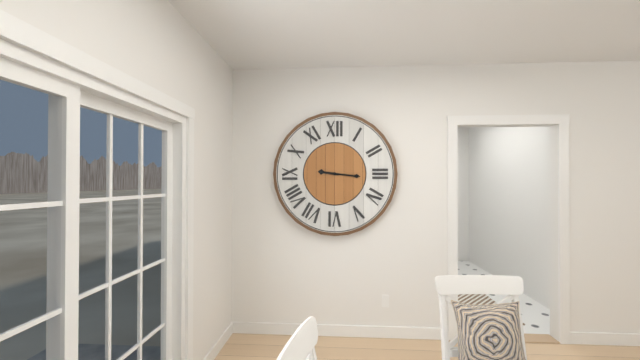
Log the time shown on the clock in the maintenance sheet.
9:16
